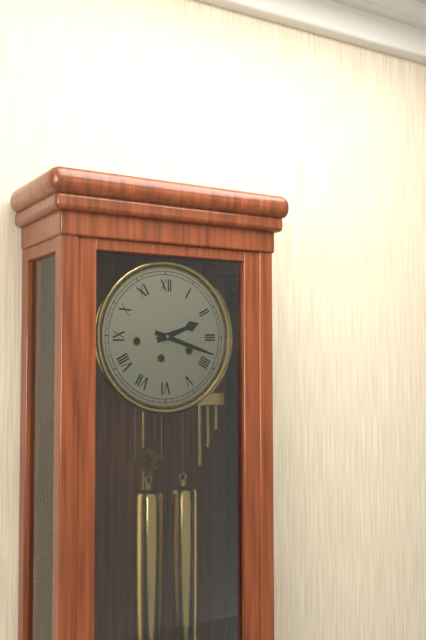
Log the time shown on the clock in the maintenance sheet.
2:18
